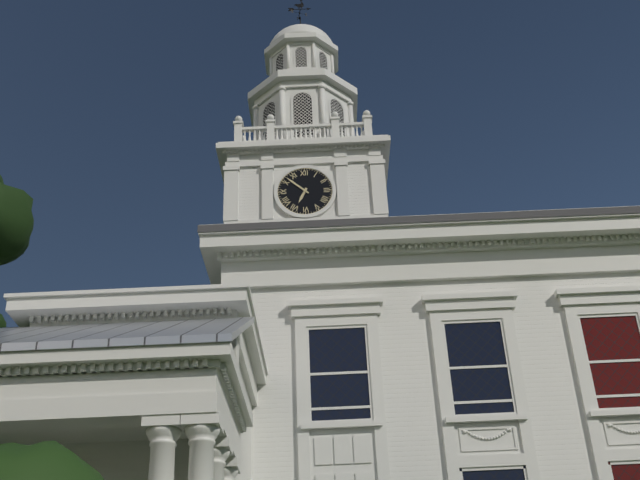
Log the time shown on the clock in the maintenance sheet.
6:52
